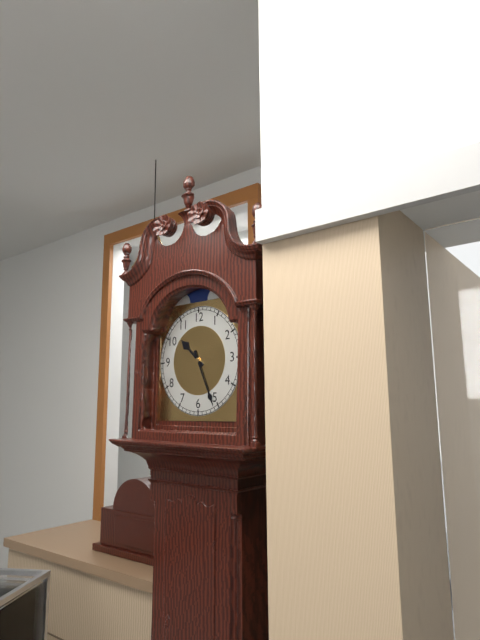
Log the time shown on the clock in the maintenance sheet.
10:26
